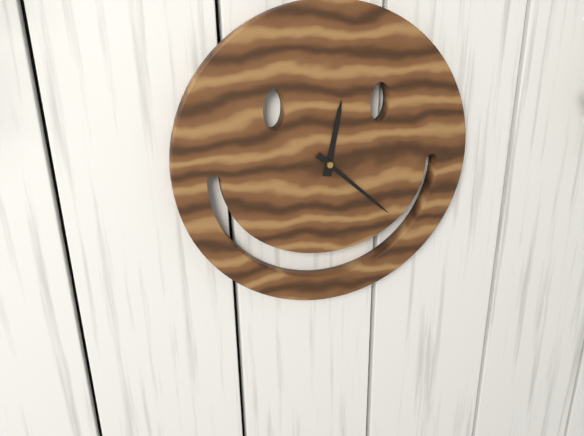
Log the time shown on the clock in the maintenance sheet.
12:22
